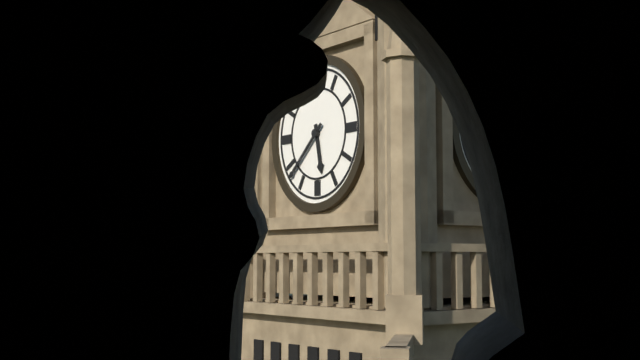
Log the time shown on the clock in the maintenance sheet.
5:38
